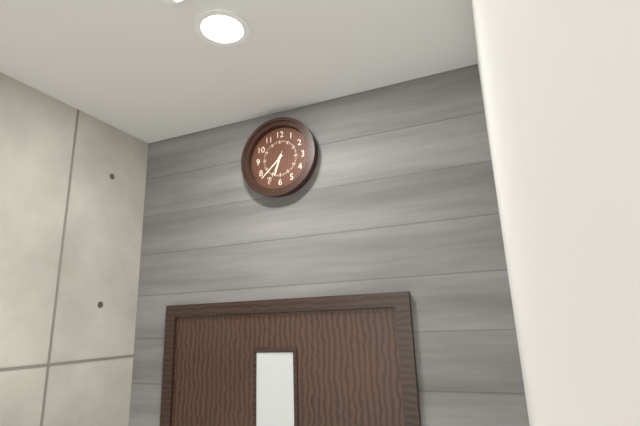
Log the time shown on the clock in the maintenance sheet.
6:38
